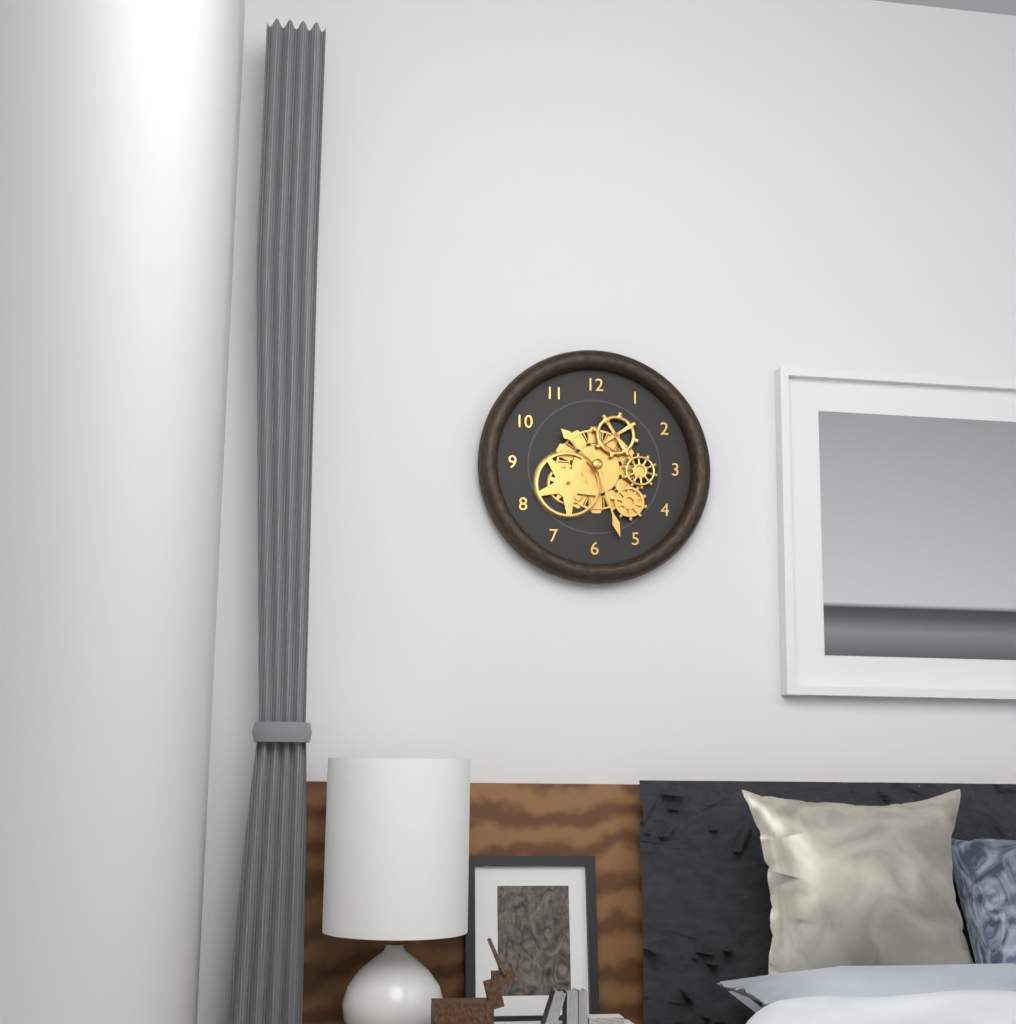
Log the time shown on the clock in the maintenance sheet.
10:27
